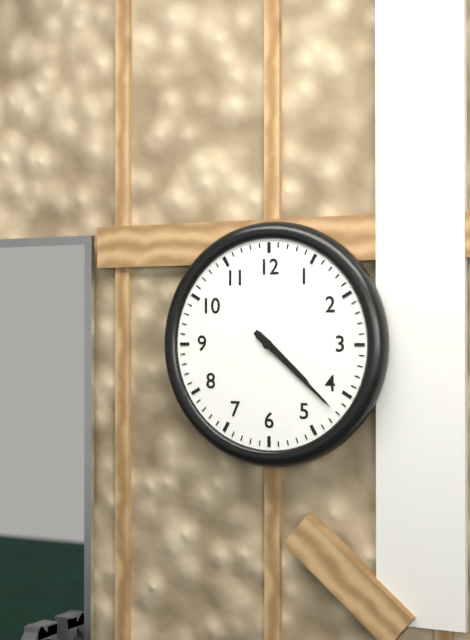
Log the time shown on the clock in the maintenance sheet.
4:22
